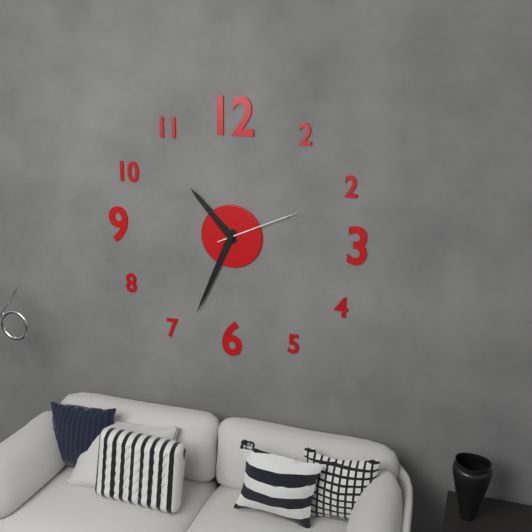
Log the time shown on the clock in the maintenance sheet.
10:34:11
